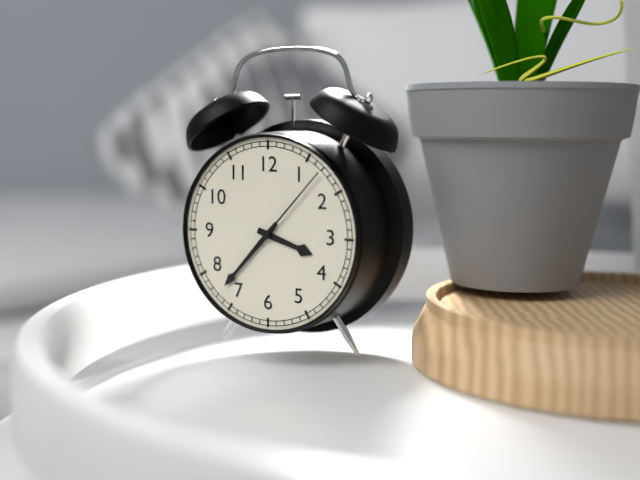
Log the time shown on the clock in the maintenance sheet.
3:37:07
